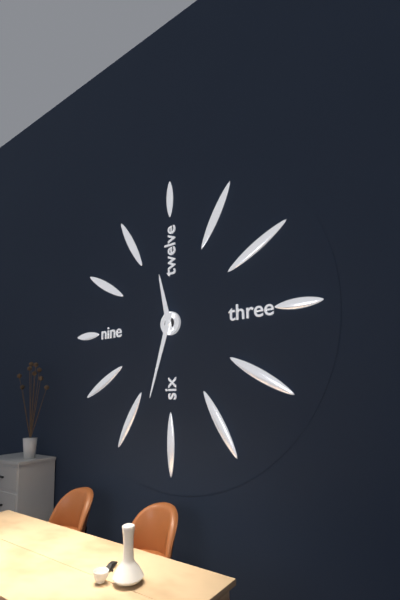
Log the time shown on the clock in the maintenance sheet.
11:33
